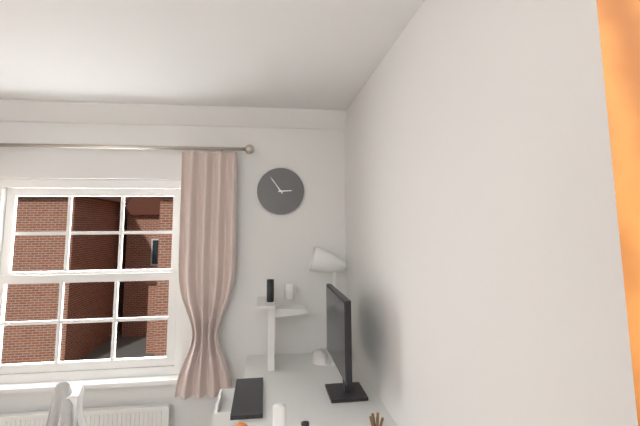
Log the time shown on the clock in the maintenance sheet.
2:54
